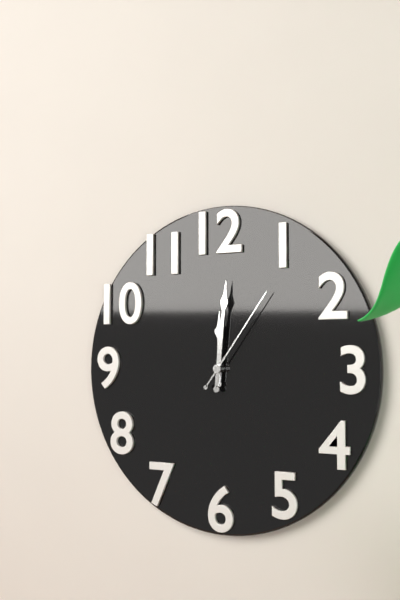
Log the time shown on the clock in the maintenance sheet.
12:01:06
